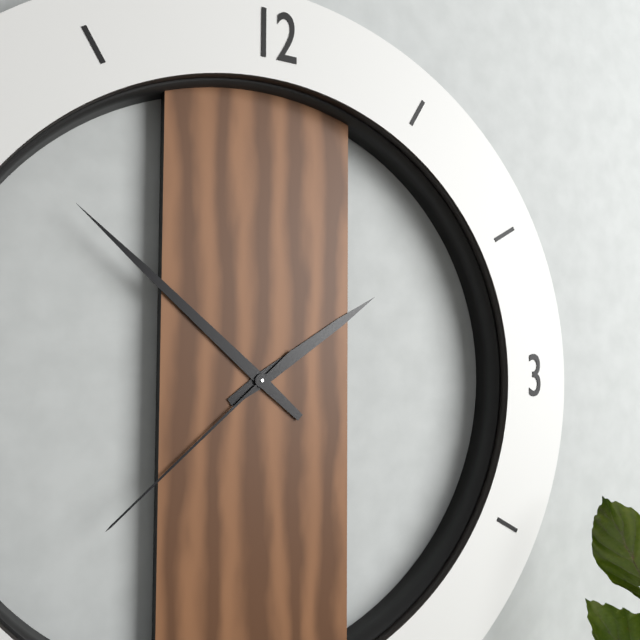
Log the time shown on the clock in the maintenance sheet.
1:52:38
